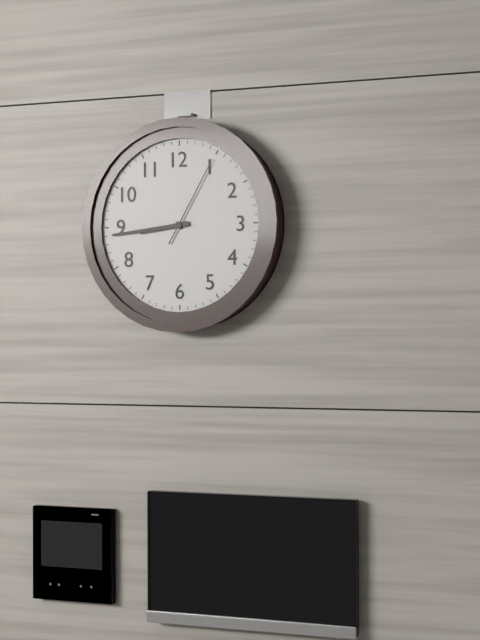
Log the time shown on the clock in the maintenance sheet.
8:44:05
